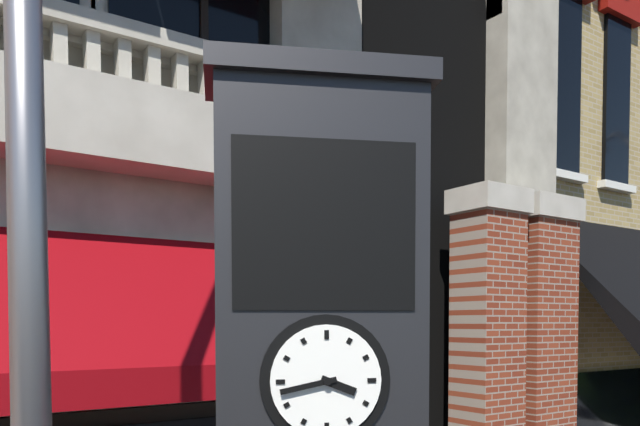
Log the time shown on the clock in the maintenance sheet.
3:43
